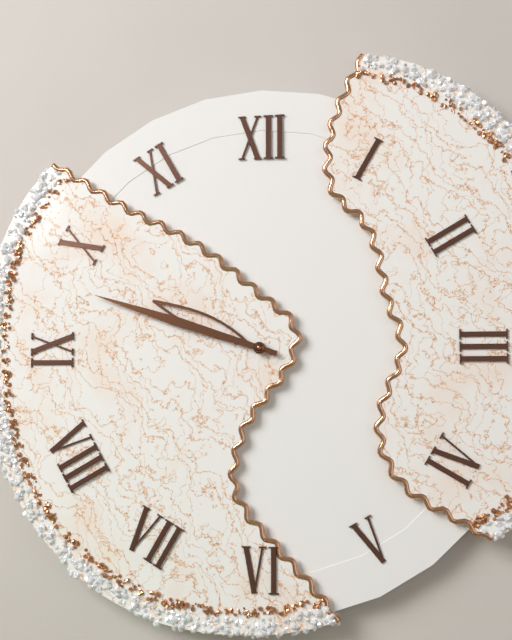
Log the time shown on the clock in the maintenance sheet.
9:48
